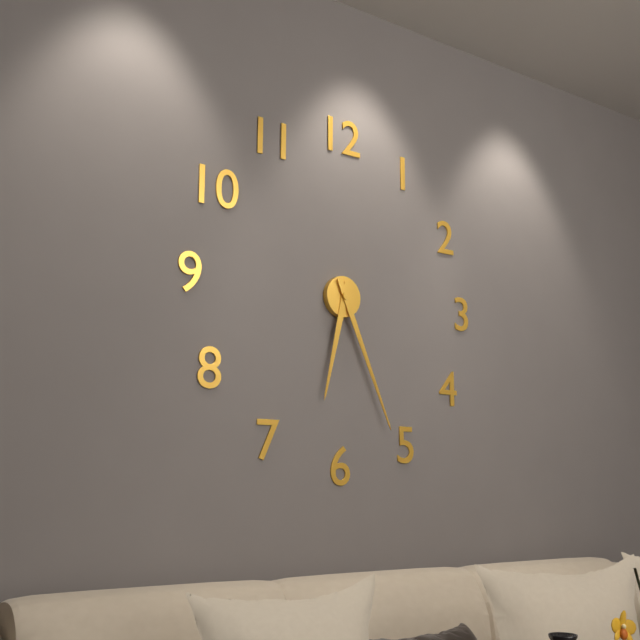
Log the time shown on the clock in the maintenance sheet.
6:26
